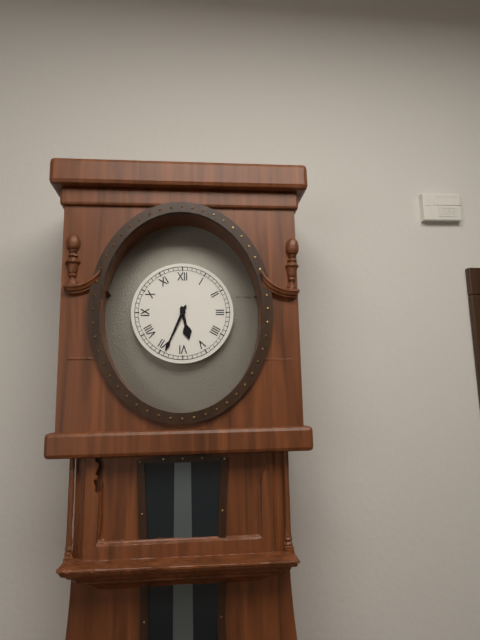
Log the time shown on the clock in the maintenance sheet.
5:34
